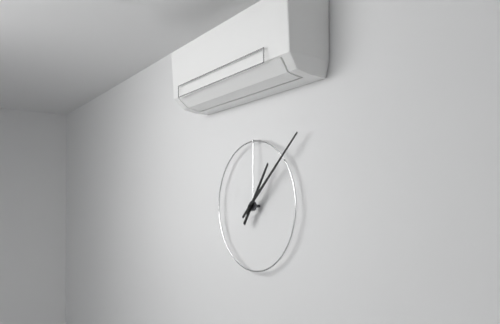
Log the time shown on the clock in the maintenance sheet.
1:08
